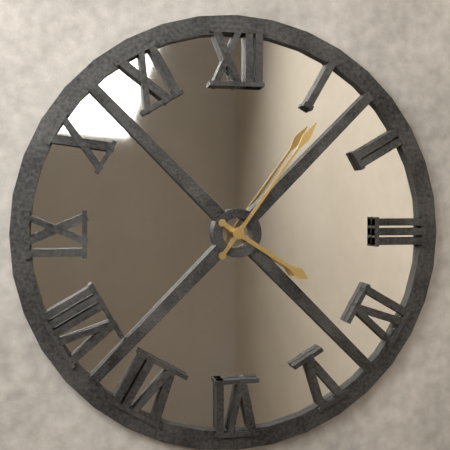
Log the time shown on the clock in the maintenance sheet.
4:06
